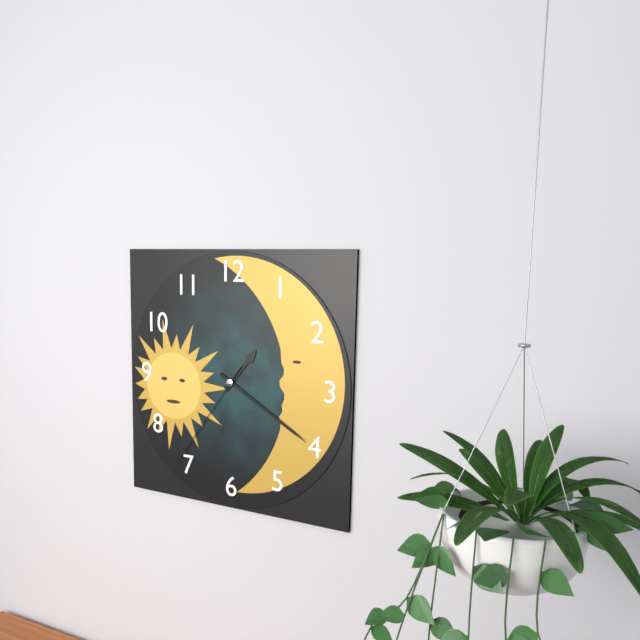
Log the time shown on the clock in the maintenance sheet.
1:20:36
